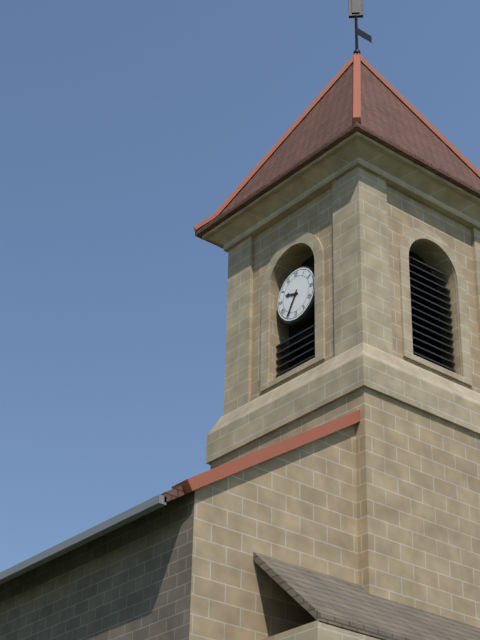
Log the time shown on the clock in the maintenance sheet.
9:35
